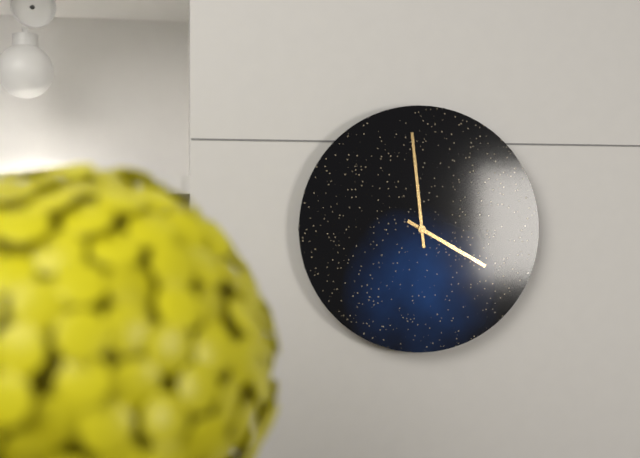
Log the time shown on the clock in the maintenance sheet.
3:59
